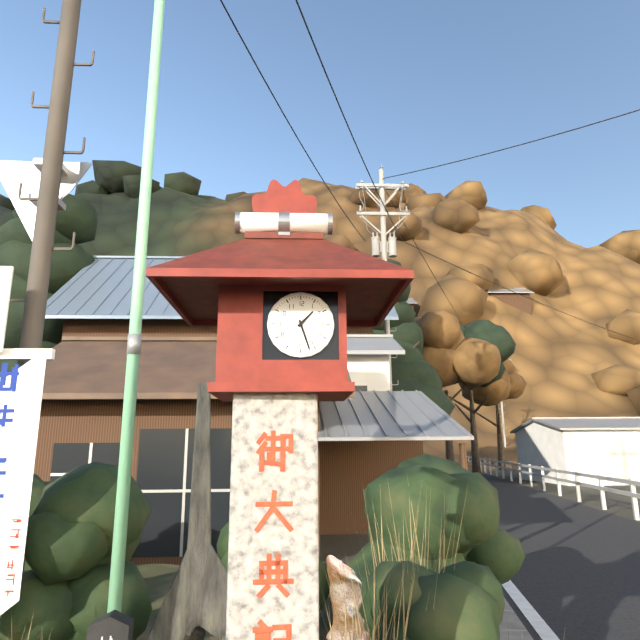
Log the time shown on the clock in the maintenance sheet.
1:27
